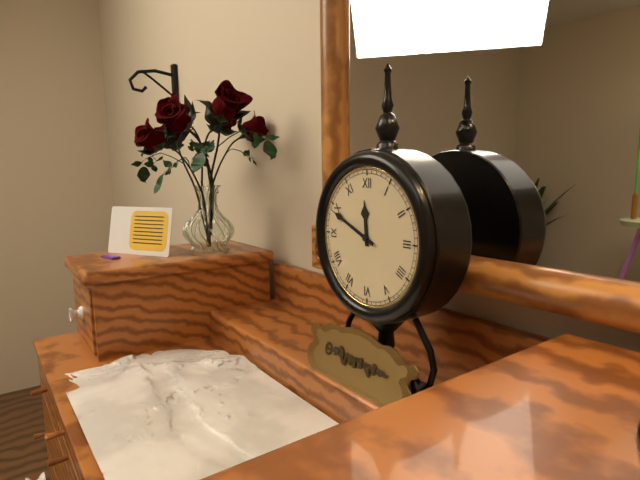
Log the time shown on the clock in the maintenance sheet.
11:49
